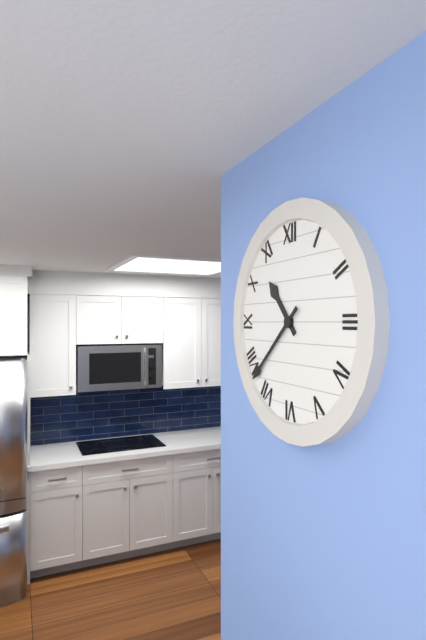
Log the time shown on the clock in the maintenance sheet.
10:38
